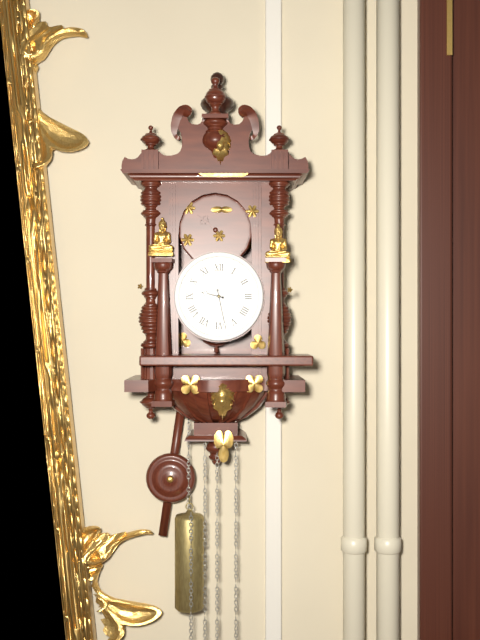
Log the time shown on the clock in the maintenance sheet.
9:28
